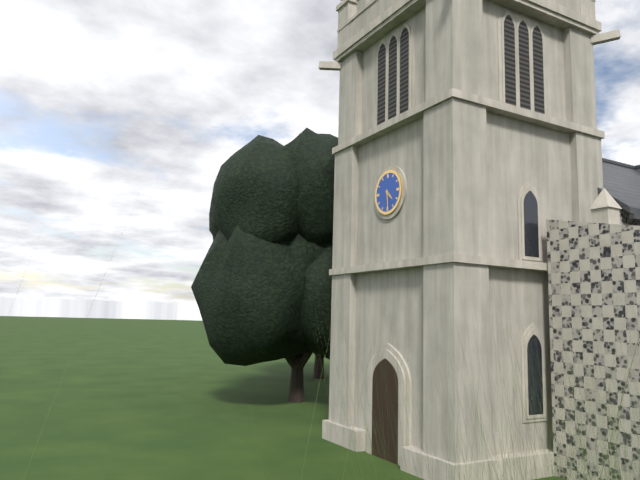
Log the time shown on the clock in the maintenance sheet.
4:29
